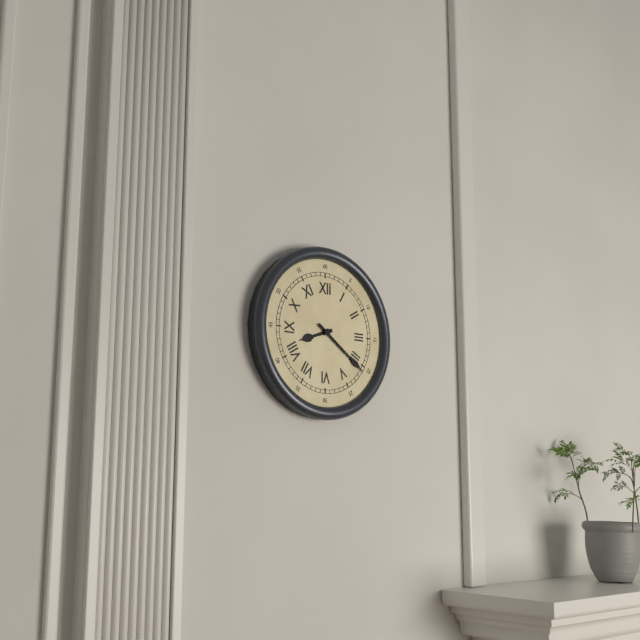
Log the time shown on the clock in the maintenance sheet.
8:21
